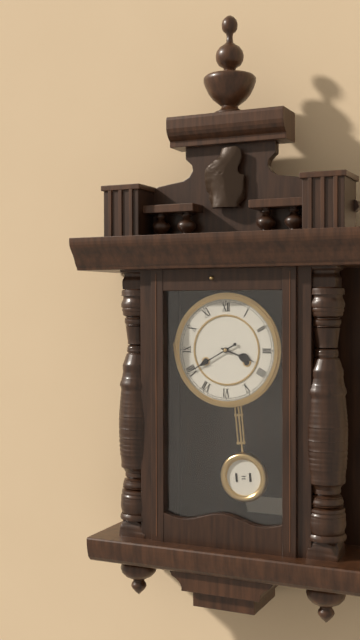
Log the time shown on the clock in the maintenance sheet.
3:40
